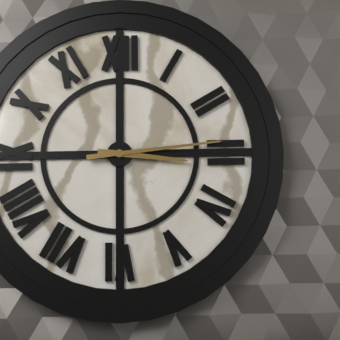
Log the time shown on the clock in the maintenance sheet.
3:14
